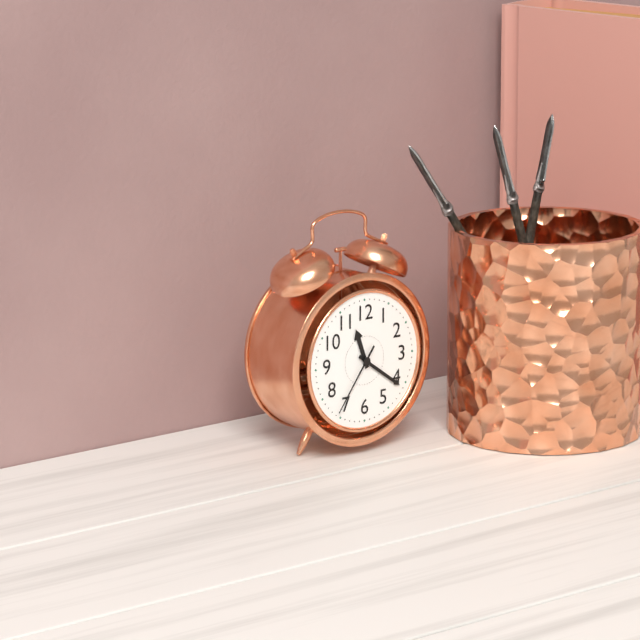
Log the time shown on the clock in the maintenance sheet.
11:21:36
